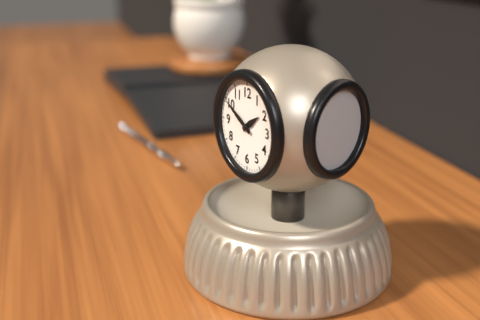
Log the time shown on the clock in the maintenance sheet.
1:50
